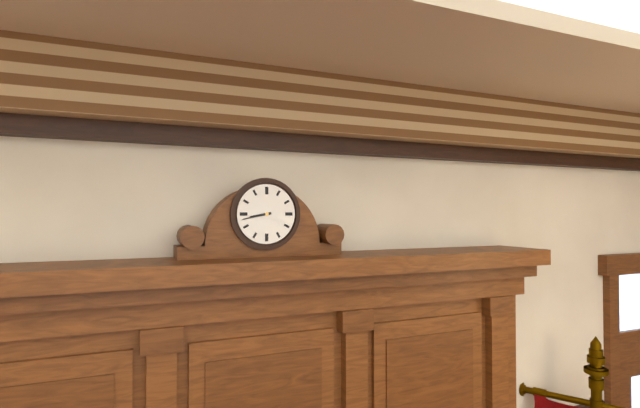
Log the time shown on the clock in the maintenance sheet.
8:43
